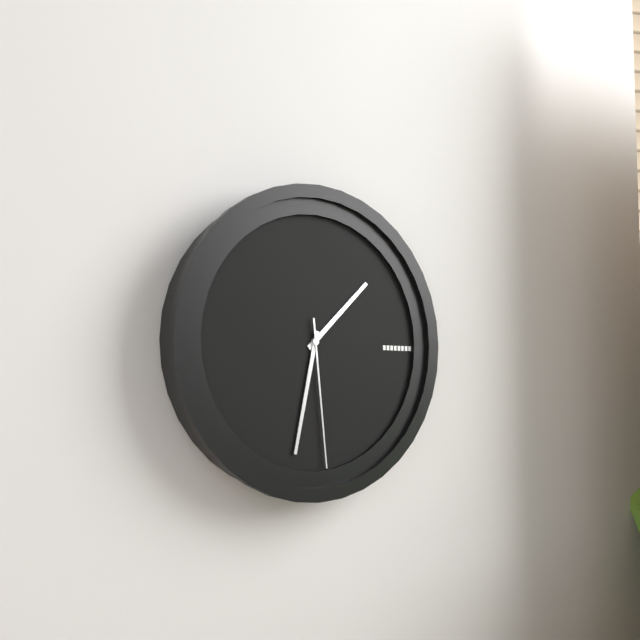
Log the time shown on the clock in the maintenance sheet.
1:32:29
